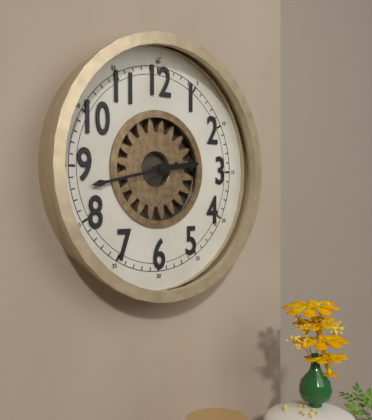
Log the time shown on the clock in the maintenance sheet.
2:43
